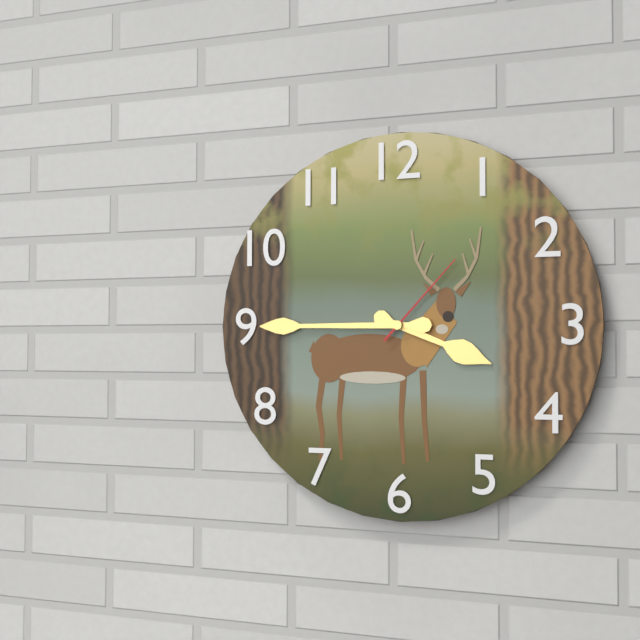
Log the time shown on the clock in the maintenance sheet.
3:45:07
